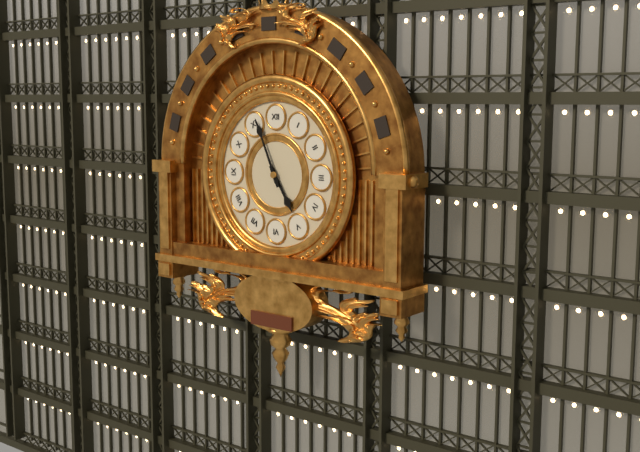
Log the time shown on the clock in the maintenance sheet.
4:56
